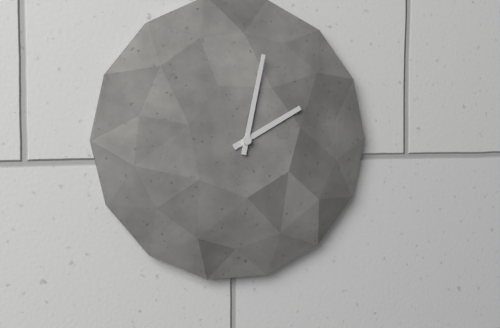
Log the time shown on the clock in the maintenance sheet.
2:02
